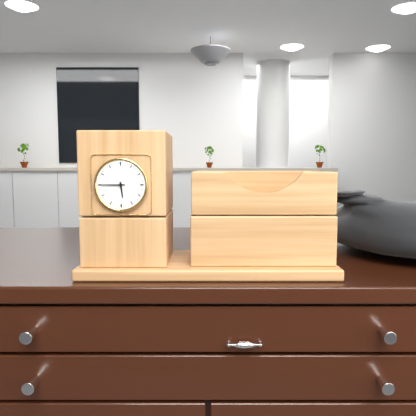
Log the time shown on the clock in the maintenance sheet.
5:45
